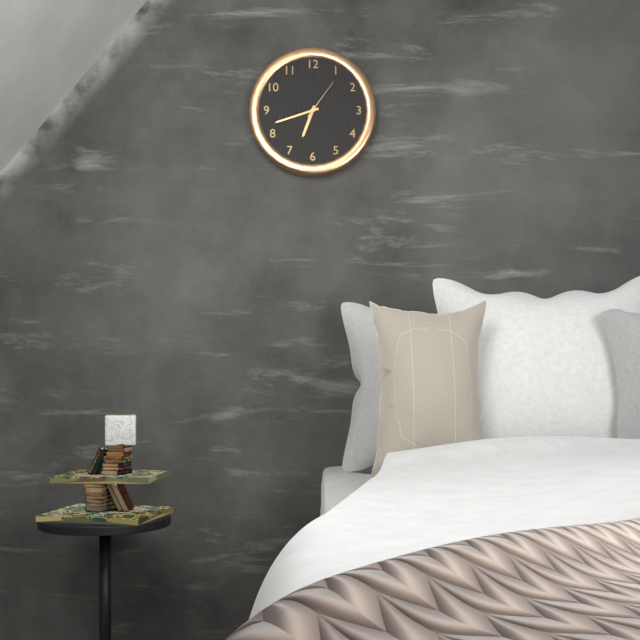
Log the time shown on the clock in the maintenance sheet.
6:42
